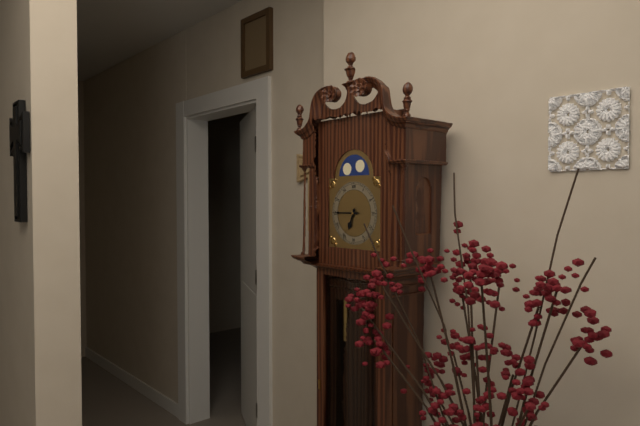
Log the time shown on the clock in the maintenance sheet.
6:45
